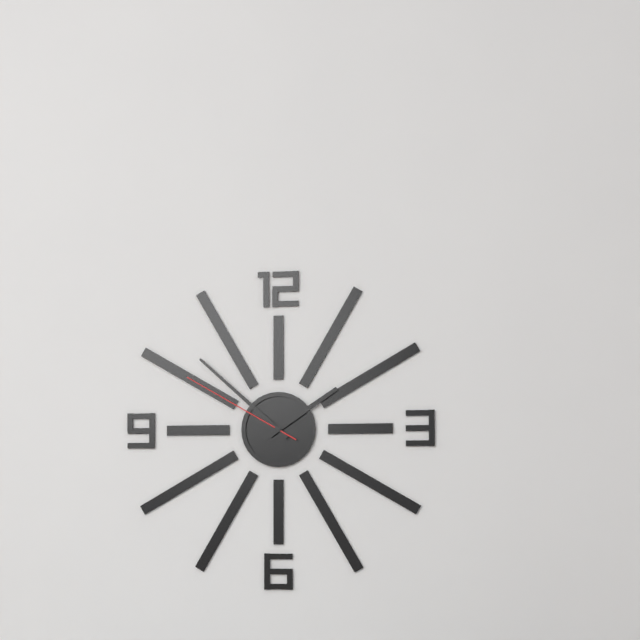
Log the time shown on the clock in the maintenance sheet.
1:52:50
